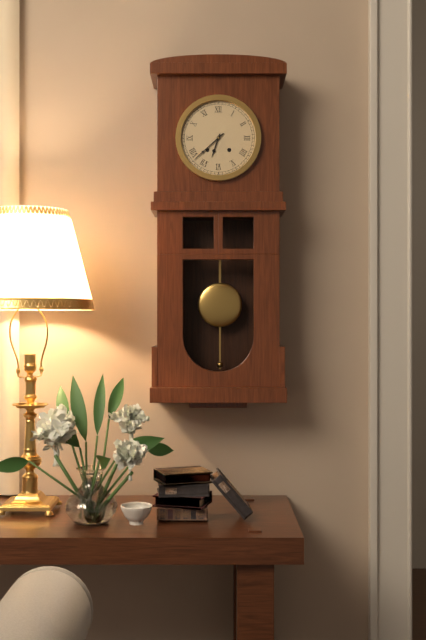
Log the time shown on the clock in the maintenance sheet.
6:38
